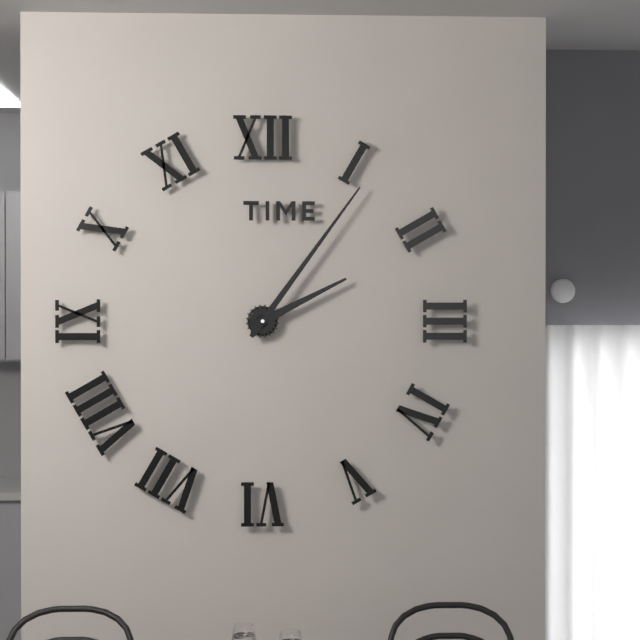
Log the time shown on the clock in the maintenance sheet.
2:06
